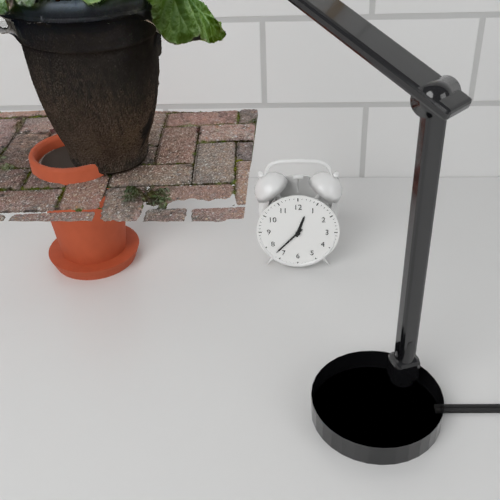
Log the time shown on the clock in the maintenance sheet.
12:37
